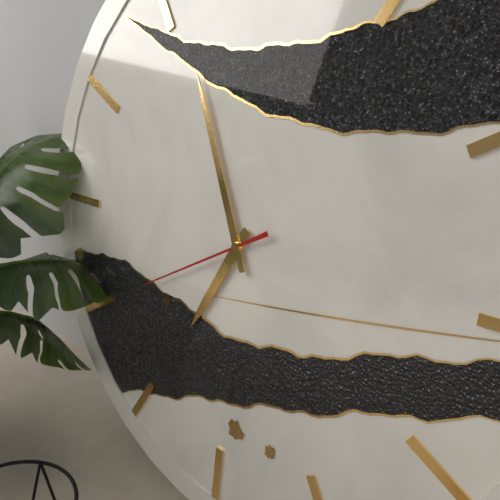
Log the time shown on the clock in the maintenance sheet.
6:56:40
